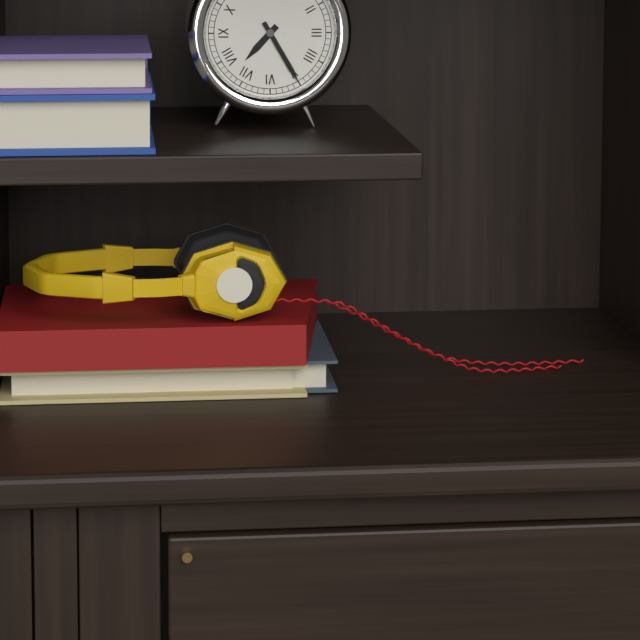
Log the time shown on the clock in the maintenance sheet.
7:25
